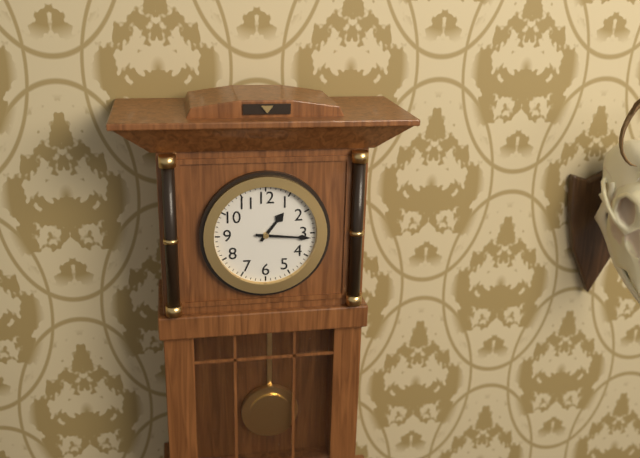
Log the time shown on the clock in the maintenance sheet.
1:16
